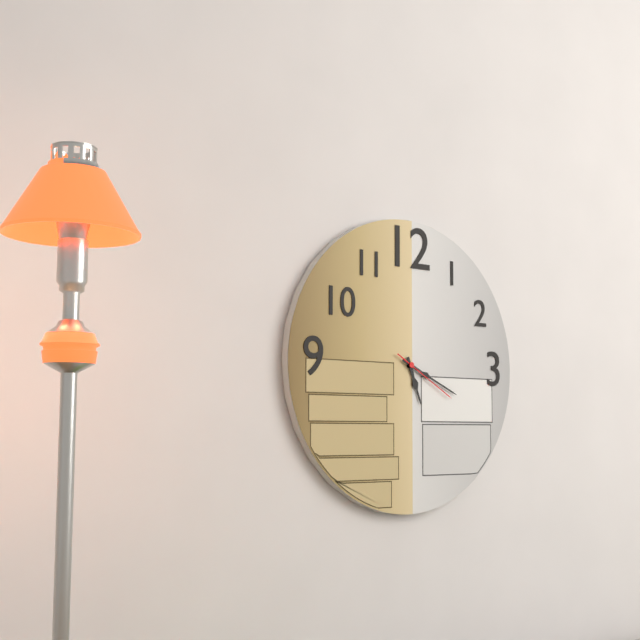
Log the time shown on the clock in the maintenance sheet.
5:19:20
